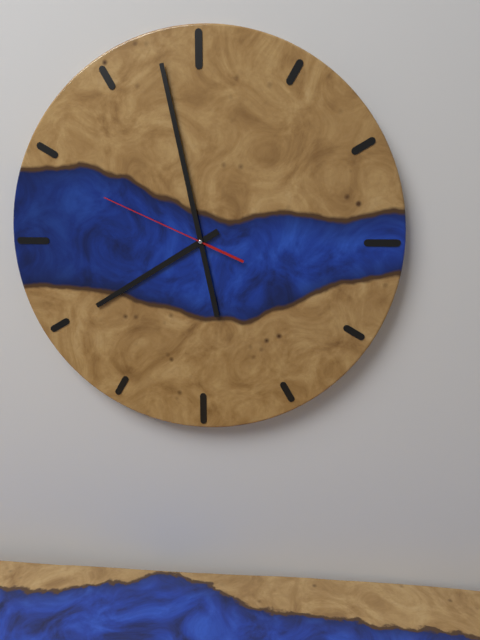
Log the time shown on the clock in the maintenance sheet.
7:58:49
